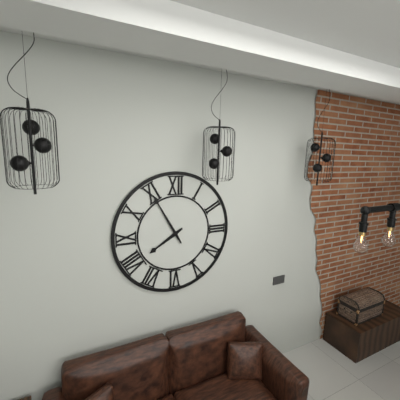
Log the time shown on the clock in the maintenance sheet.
7:55
